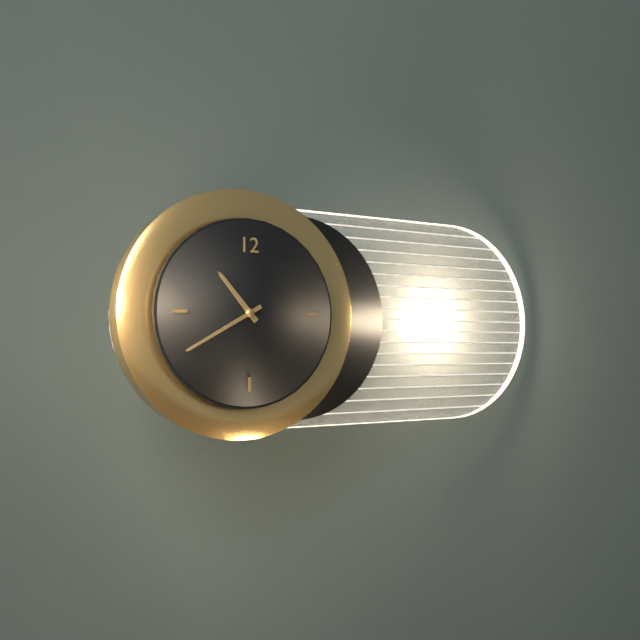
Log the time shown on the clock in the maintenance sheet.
10:40
